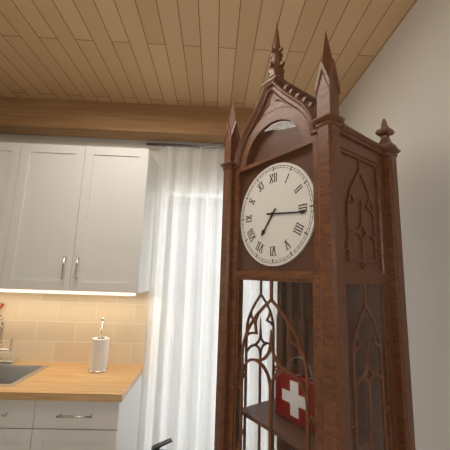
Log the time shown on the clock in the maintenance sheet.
7:16
